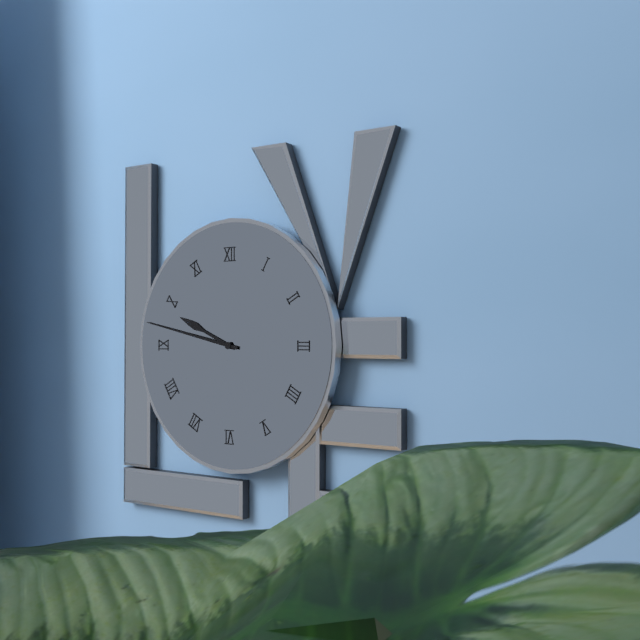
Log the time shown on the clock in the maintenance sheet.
9:47
